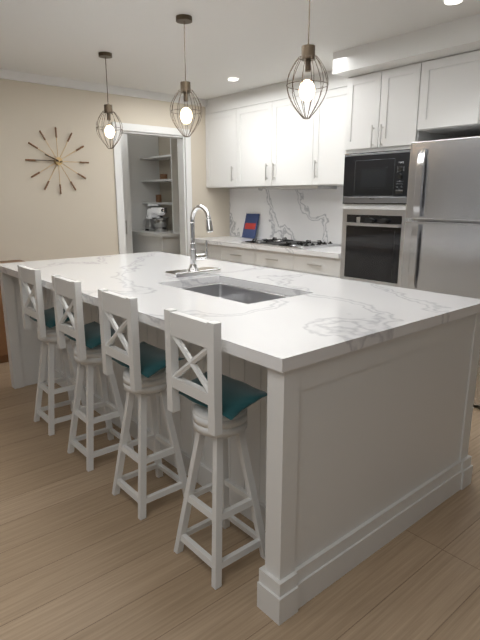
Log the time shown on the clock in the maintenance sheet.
9:45
